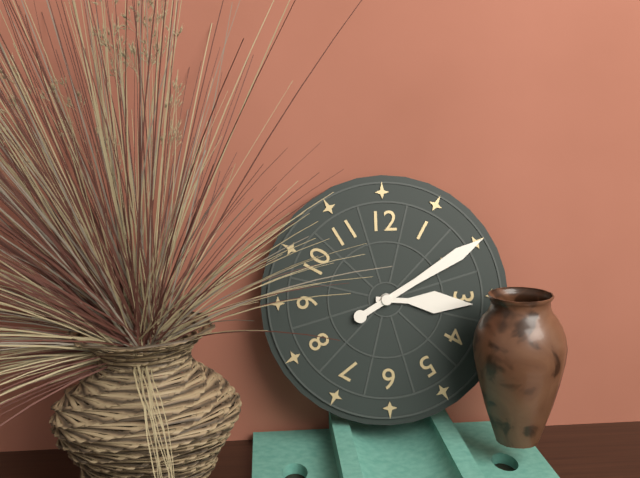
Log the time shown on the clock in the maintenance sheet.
3:10
